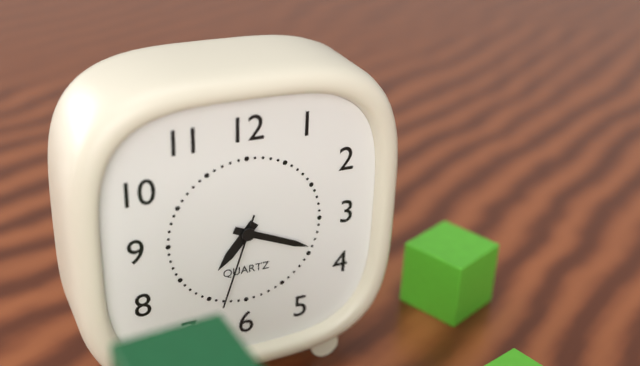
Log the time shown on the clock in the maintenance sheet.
7:19:33
